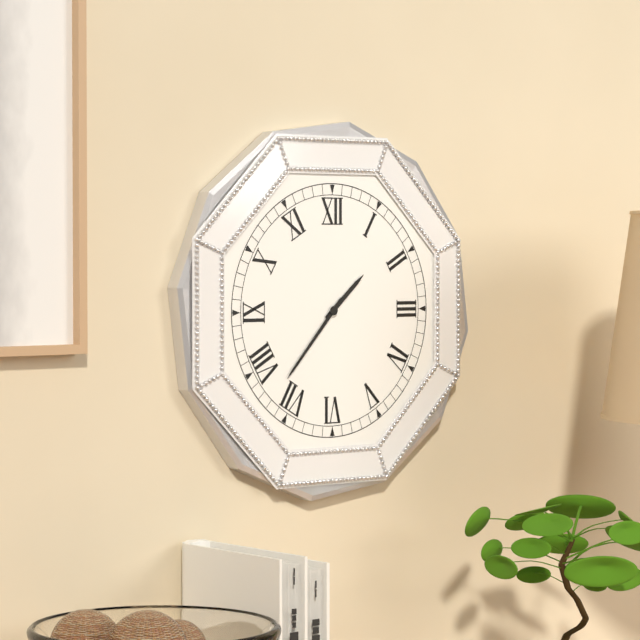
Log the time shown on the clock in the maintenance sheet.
1:37
